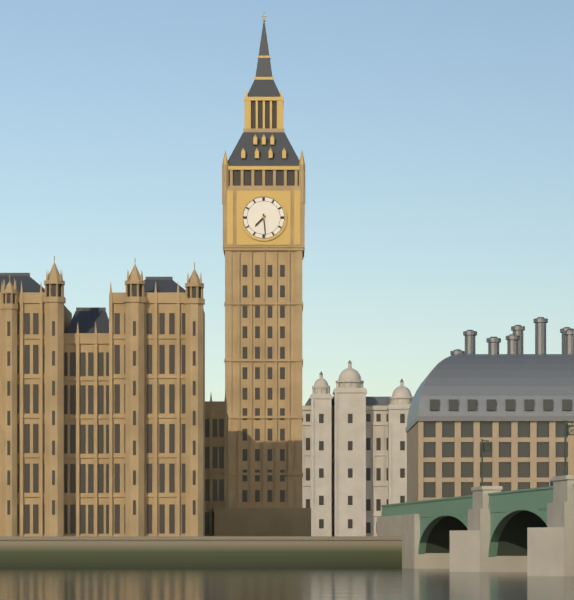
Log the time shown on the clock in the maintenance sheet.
7:29
